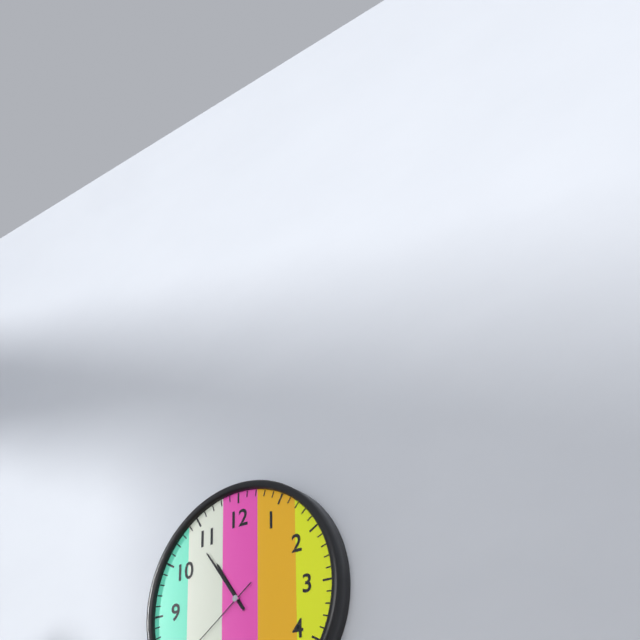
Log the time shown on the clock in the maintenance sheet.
10:54
